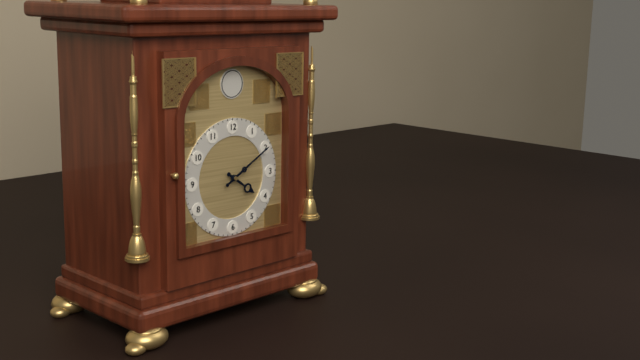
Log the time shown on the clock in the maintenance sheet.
4:10
